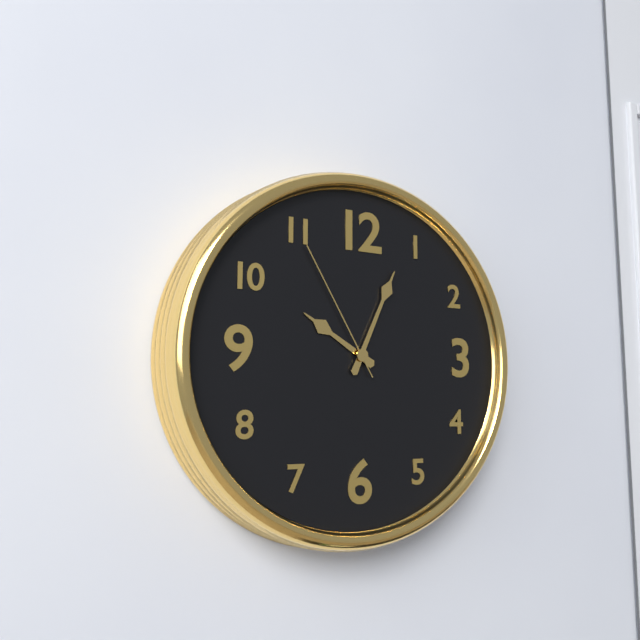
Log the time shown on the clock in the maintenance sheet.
10:04:55
